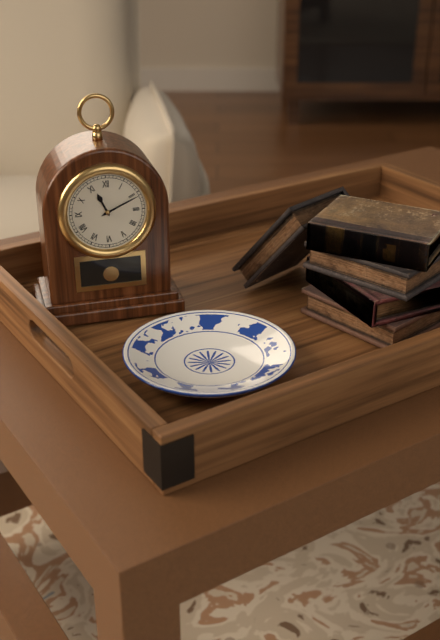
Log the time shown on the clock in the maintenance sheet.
11:11
